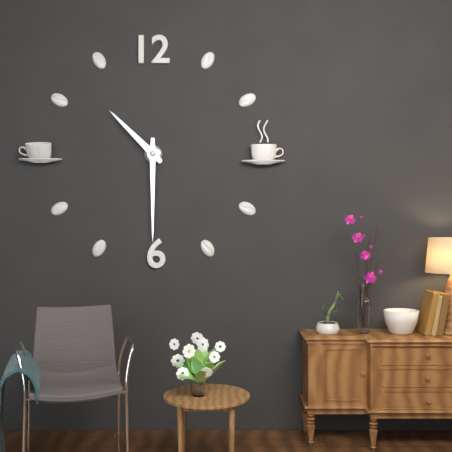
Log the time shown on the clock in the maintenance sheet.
10:30
